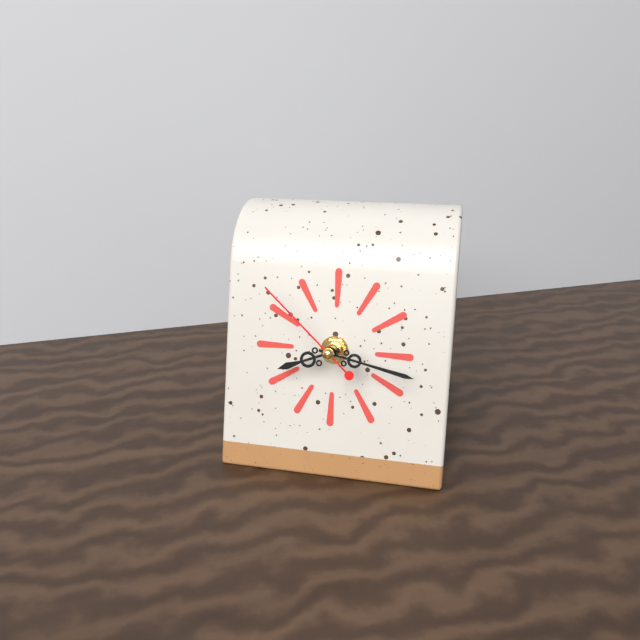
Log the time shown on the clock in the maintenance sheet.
8:17:52
